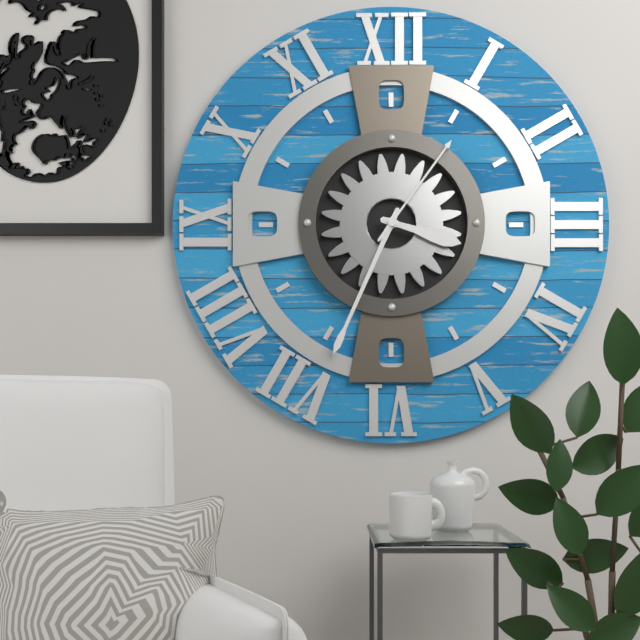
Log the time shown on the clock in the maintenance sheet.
3:34:06
